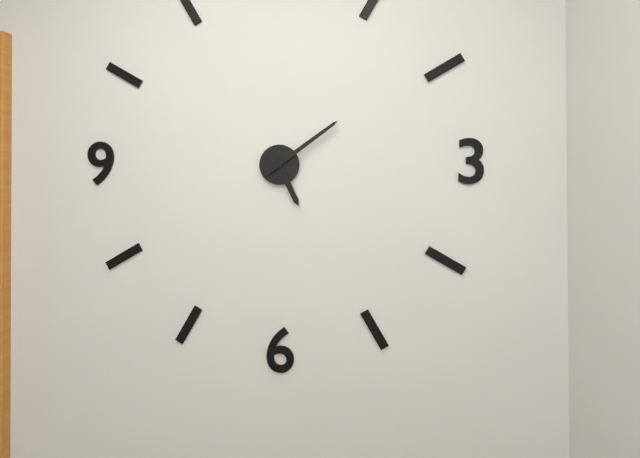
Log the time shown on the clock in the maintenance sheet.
5:09
